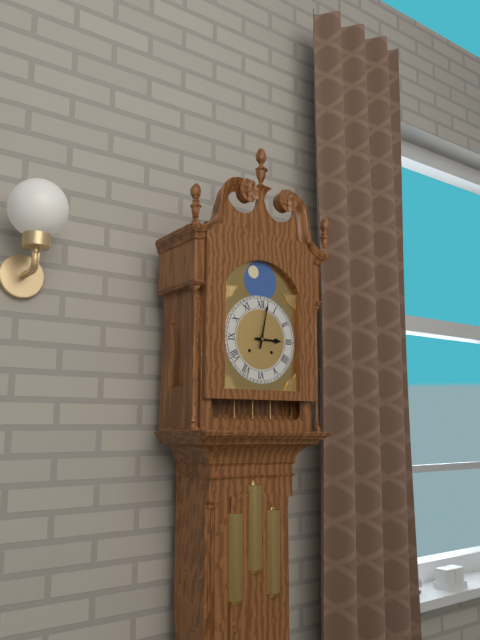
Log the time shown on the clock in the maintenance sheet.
3:02
